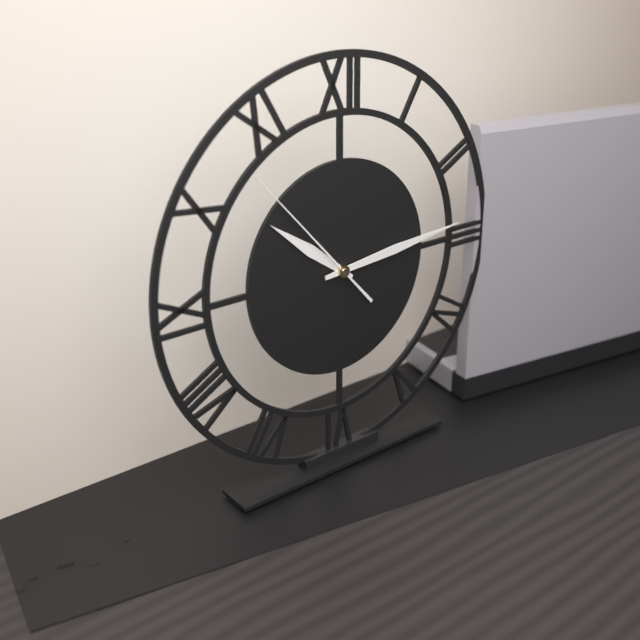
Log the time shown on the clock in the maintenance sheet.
10:14:53
